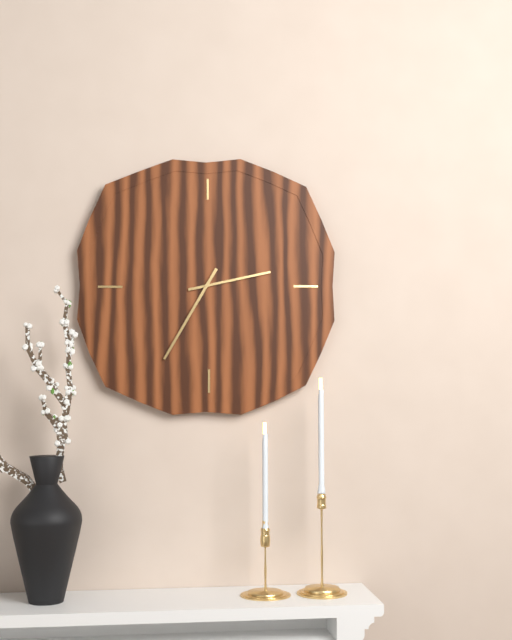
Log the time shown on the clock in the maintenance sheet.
2:35
